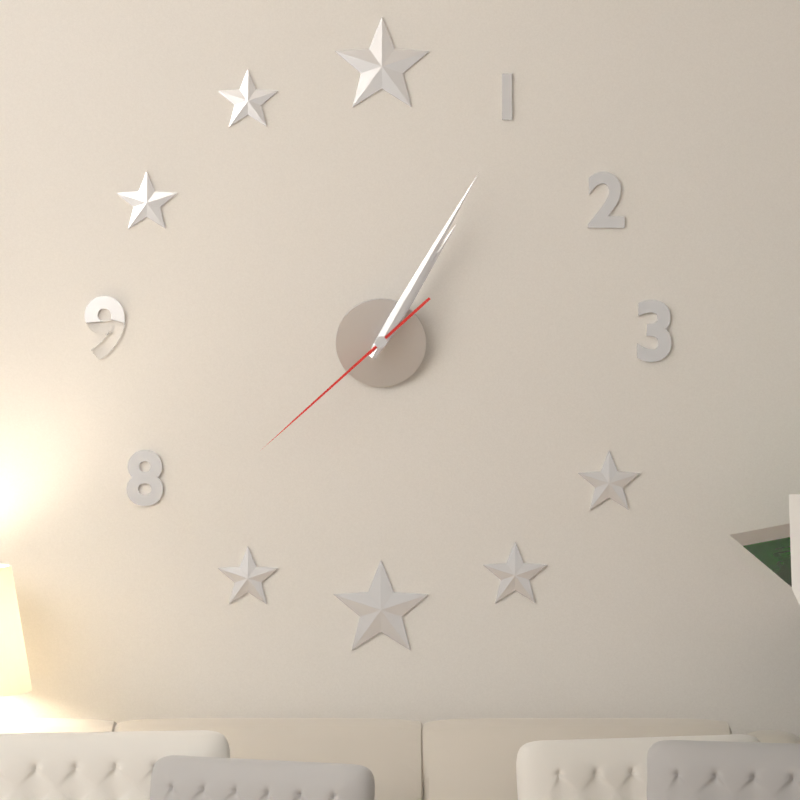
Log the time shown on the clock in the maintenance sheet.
1:05:38
